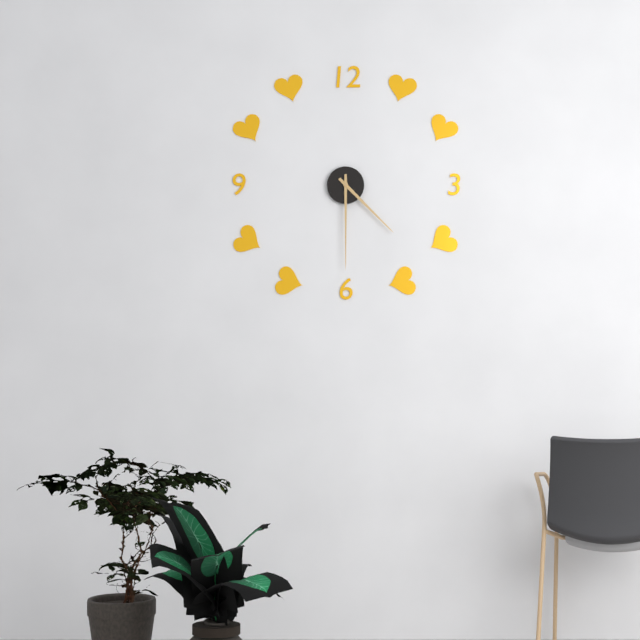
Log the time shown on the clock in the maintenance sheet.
4:30
